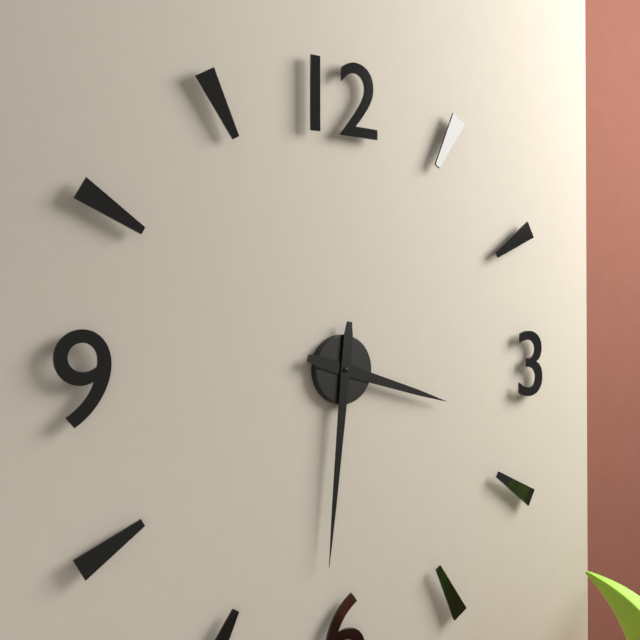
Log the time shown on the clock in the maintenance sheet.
3:31
